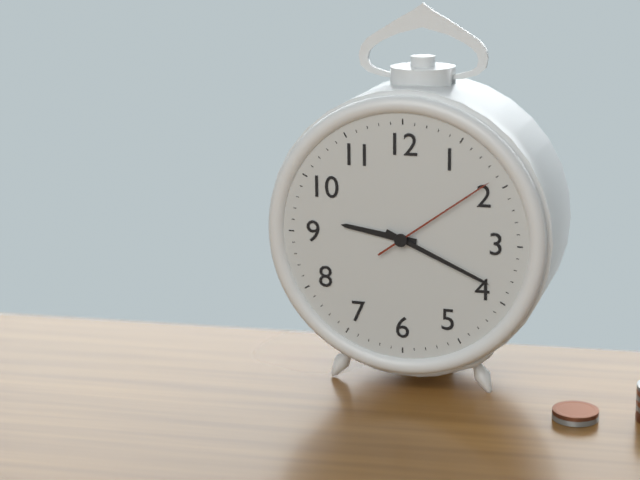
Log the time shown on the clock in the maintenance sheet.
9:19:09
